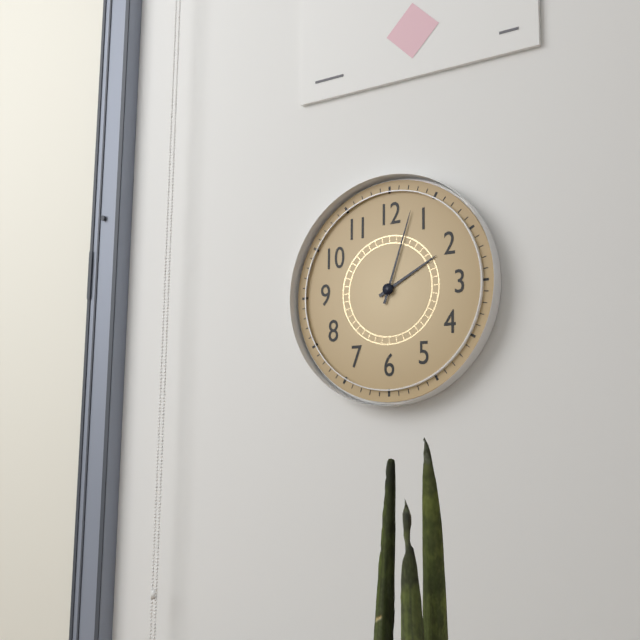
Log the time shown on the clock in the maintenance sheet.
2:03
